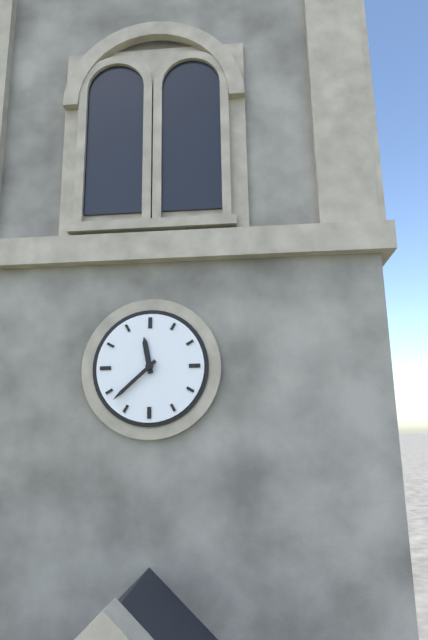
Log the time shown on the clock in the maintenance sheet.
11:38
